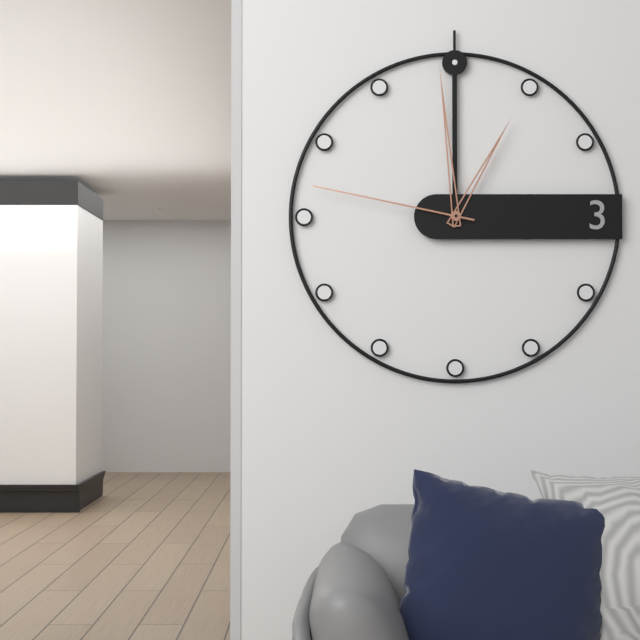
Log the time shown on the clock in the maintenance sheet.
12:59:47
